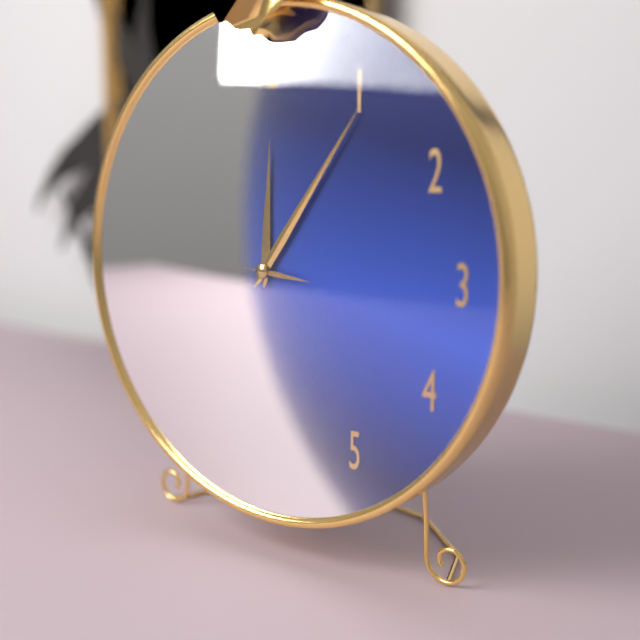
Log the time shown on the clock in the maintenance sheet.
12:06:46
